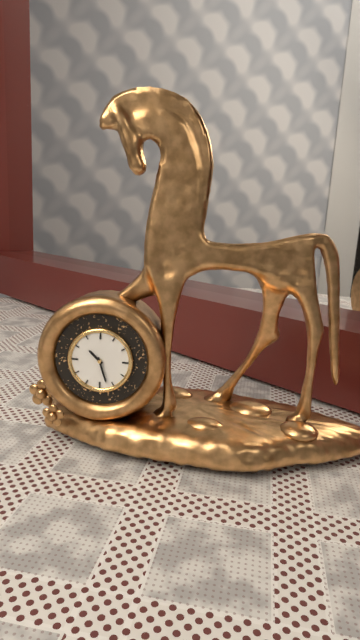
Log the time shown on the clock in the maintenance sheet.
10:27
